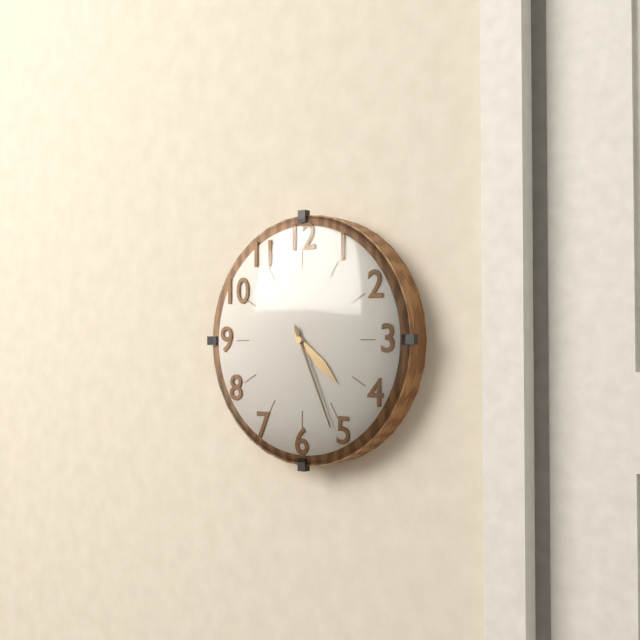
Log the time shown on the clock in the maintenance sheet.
4:26
